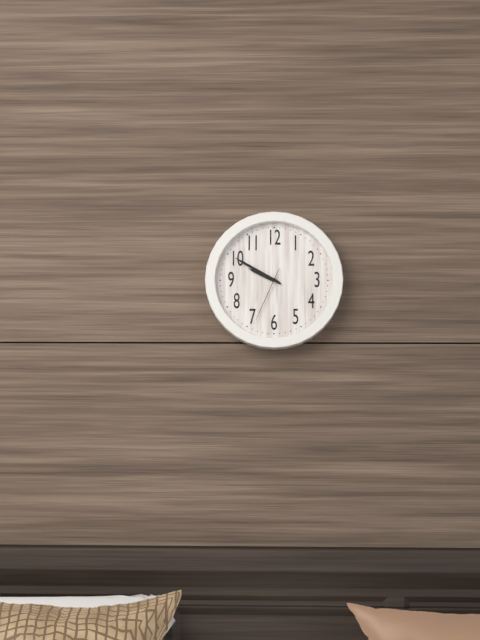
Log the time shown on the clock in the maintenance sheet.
9:50:34
